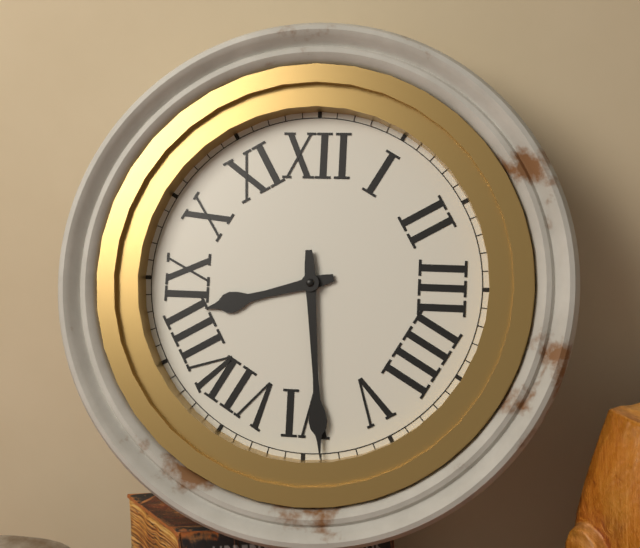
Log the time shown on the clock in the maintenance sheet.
8:29
